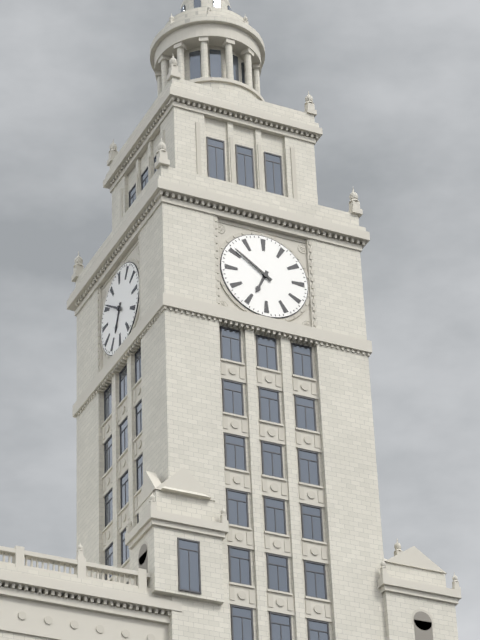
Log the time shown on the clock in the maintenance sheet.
6:51
